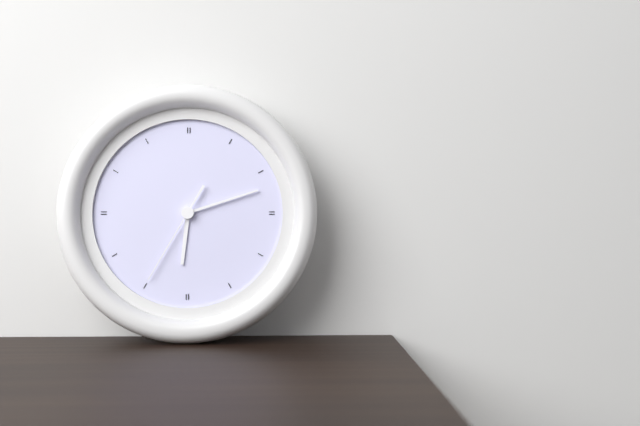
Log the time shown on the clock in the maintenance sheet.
6:12:35
